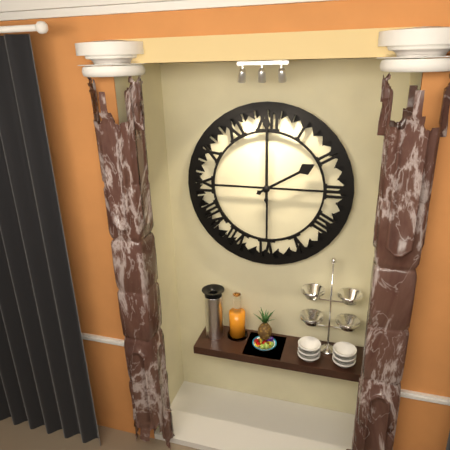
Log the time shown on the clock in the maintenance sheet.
2:00
